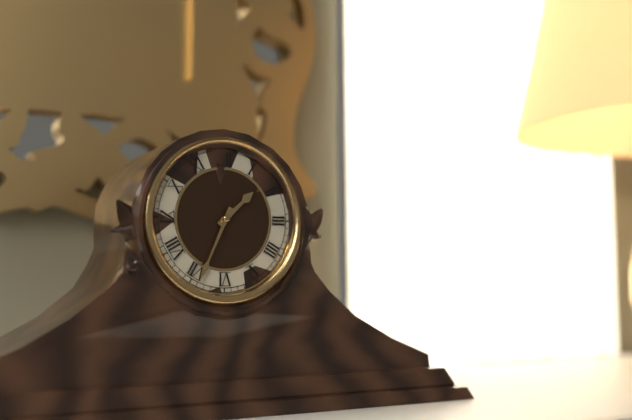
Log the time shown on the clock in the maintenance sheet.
1:34
